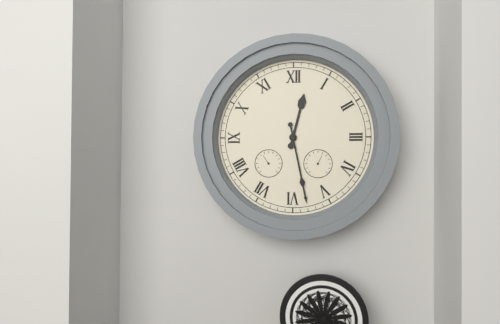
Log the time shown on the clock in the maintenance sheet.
12:28
